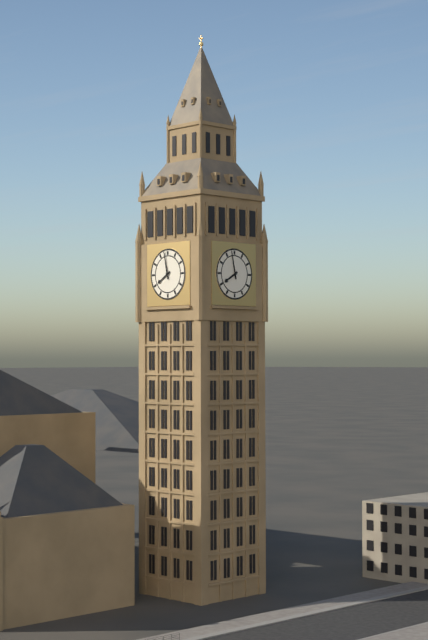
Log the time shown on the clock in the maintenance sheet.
7:58
